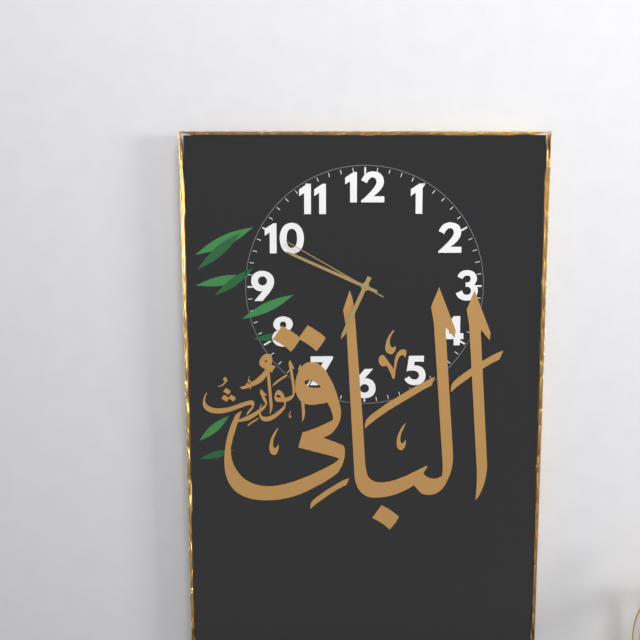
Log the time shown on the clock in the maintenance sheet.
6:49:50
